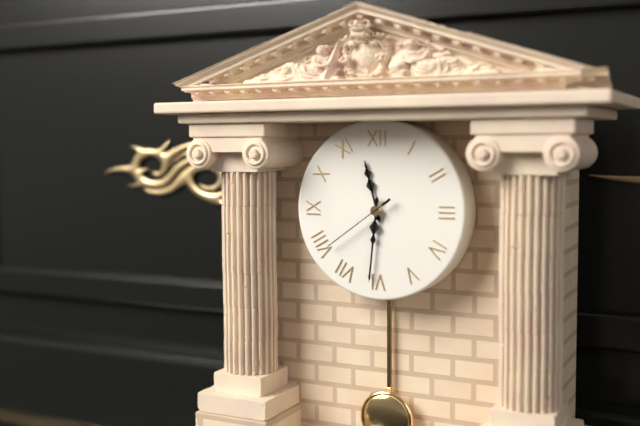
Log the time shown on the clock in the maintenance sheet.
11:31:39
